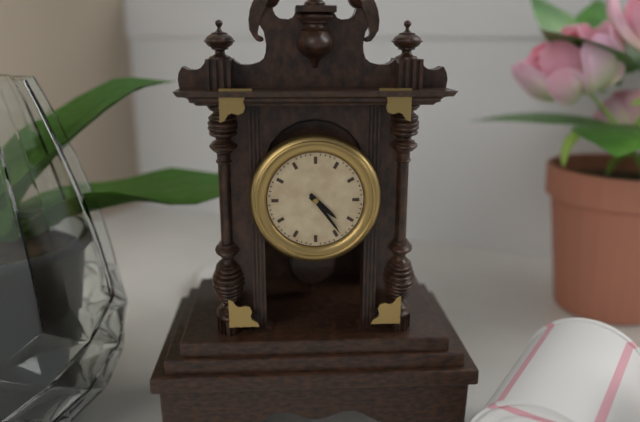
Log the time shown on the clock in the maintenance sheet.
4:24
